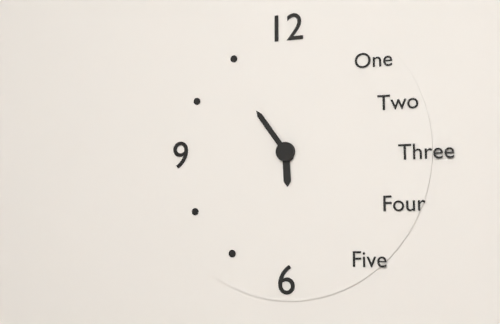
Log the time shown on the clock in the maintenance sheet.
5:54
